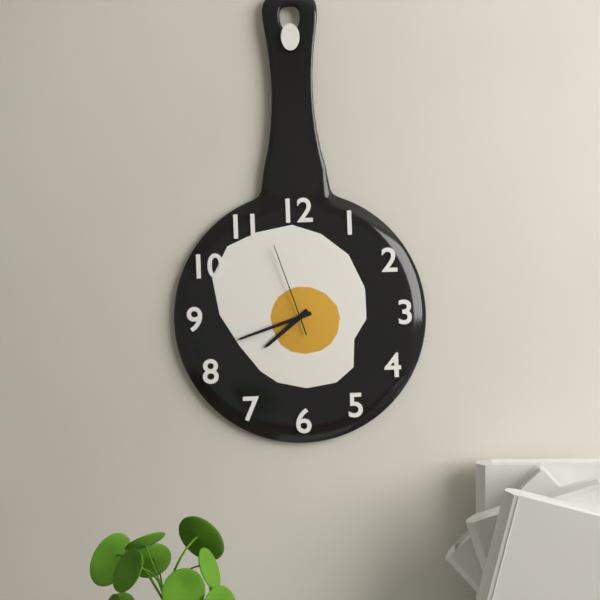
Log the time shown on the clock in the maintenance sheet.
7:42:57
